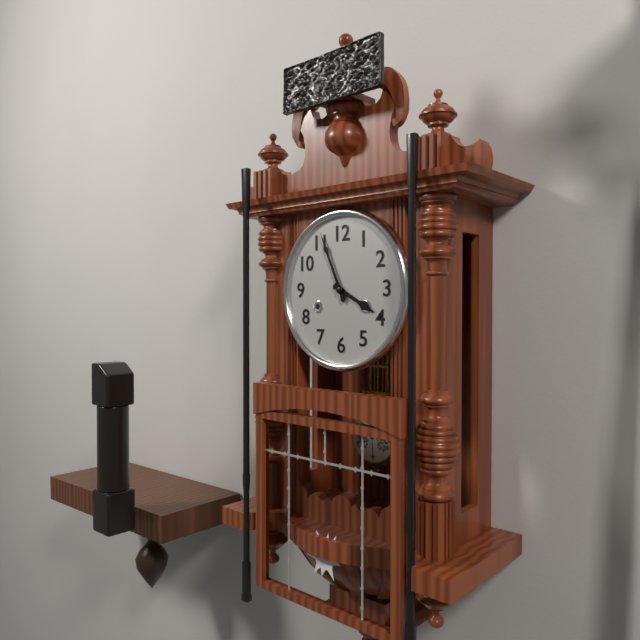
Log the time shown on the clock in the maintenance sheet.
3:56
